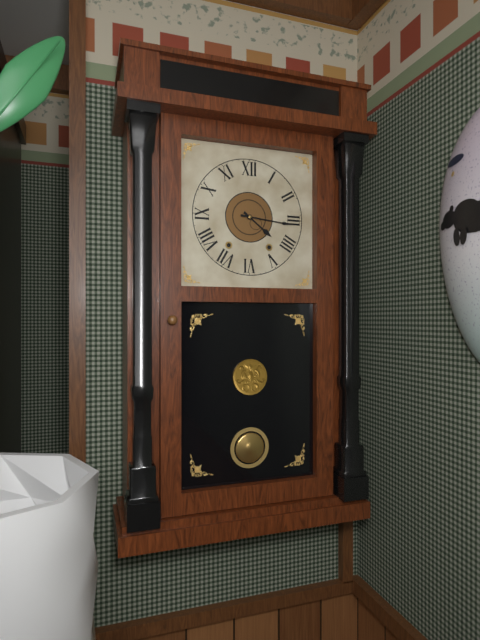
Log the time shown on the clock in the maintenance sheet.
4:16
